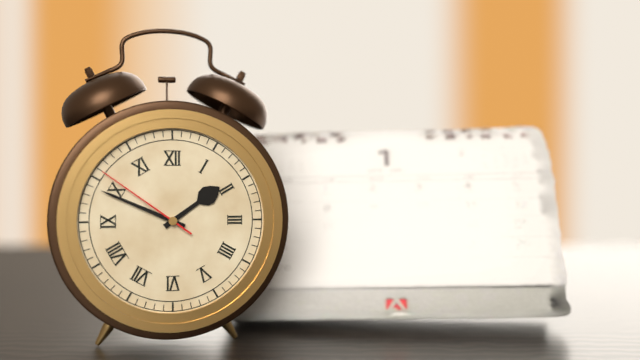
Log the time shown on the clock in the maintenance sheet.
1:49:51
